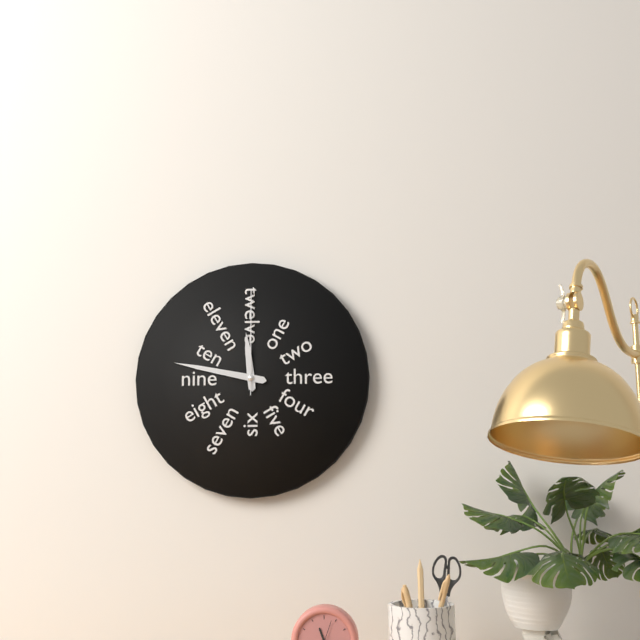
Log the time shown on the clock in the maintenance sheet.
11:47:00
